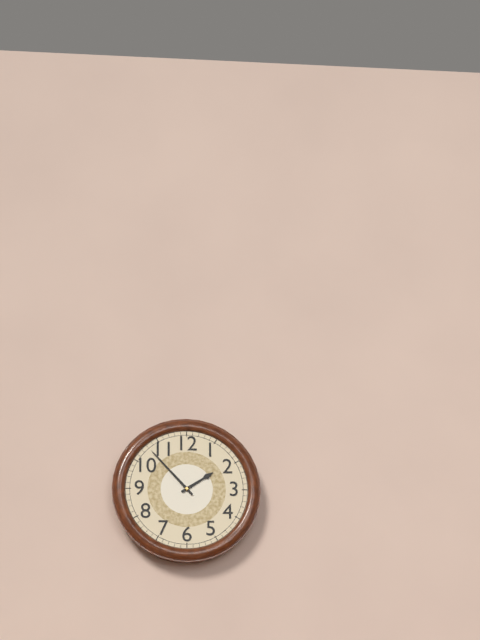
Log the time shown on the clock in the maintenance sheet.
1:53
